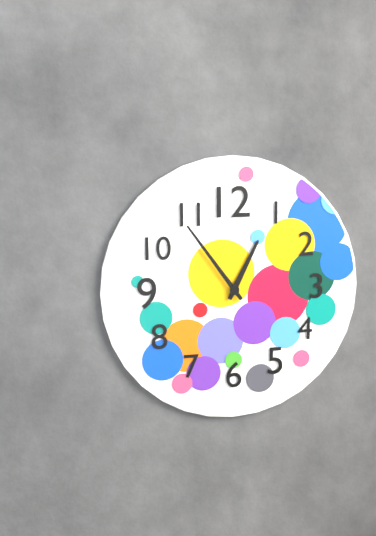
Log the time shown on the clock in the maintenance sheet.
12:54
